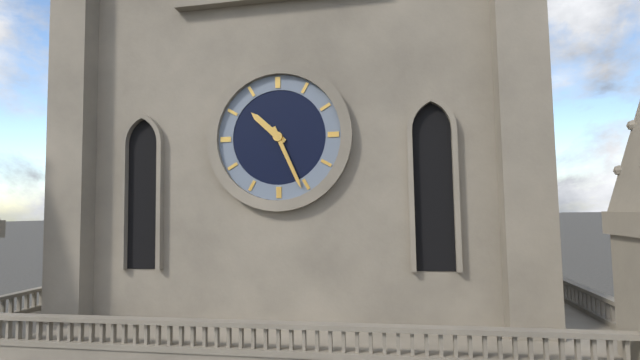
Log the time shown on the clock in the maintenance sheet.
10:26
